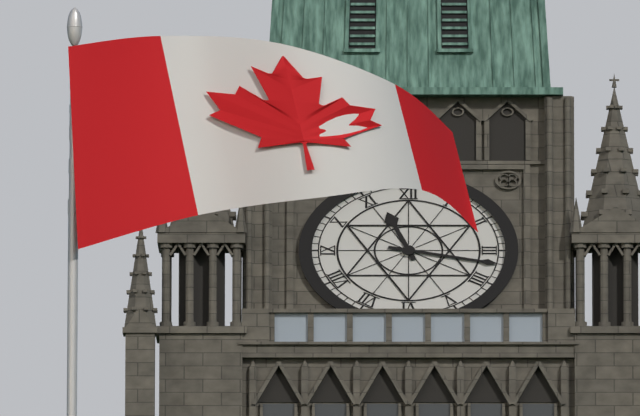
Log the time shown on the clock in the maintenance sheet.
11:17
